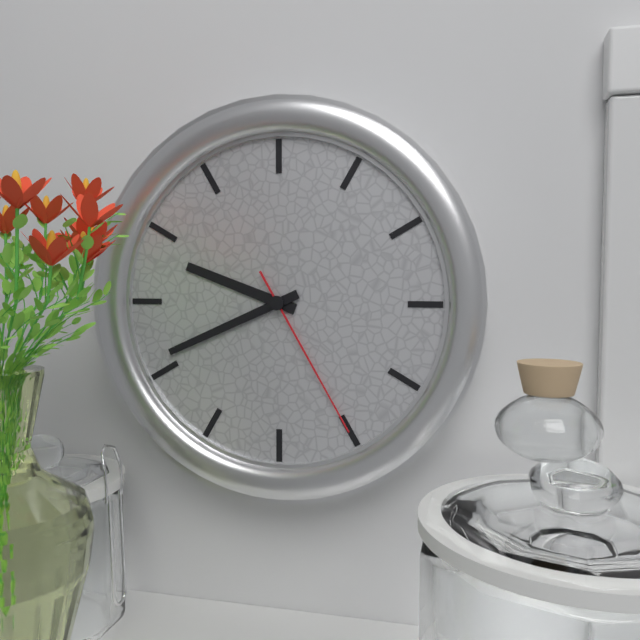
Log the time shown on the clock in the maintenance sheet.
9:41:25
